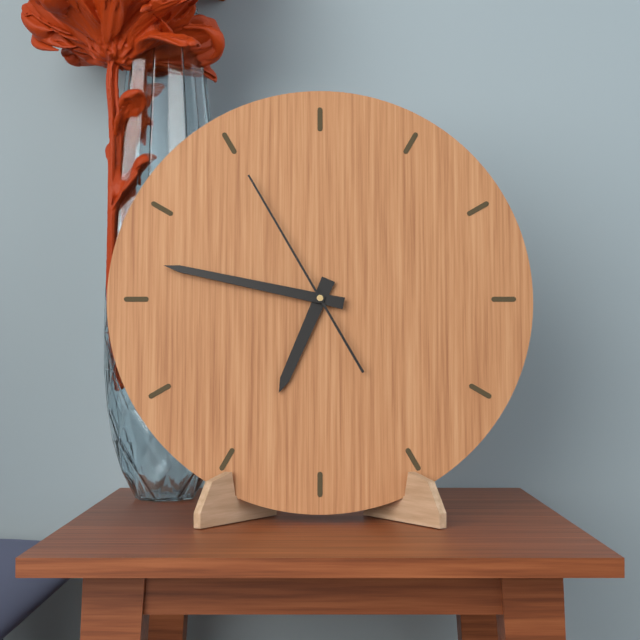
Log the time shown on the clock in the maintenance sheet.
6:47:55
